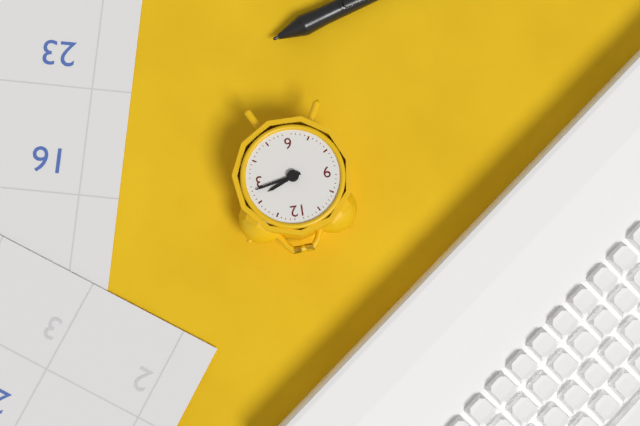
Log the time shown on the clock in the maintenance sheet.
2:13
